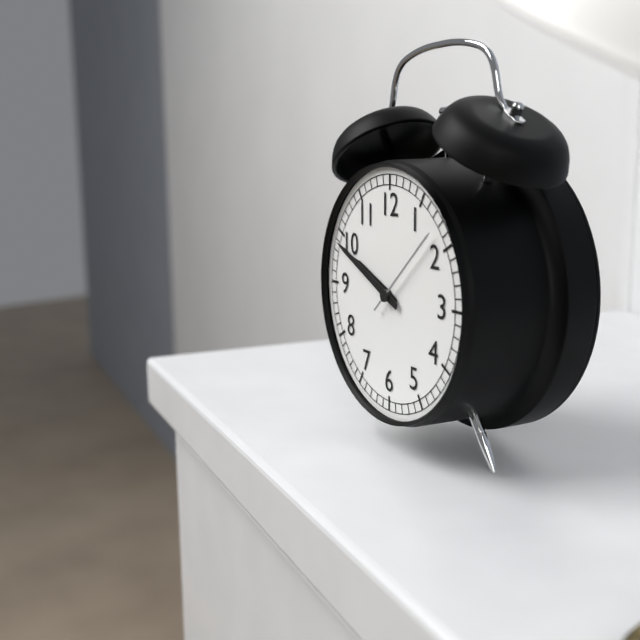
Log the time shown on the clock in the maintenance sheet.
9:49:08
